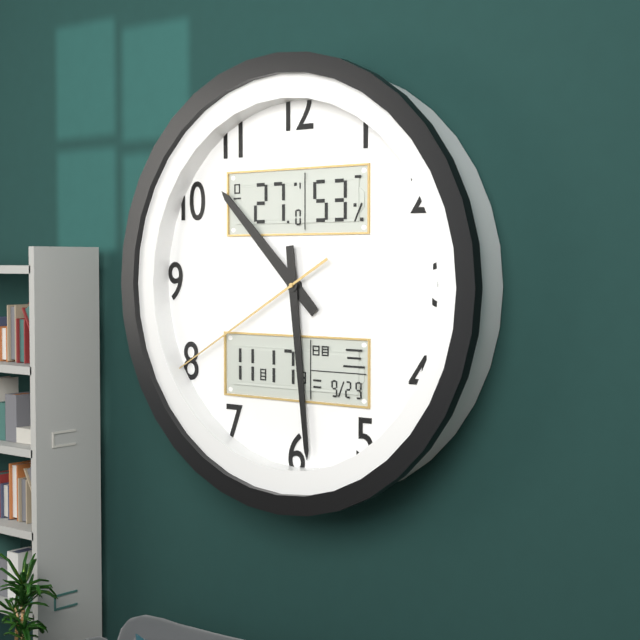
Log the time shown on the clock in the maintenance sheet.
10:29:40
